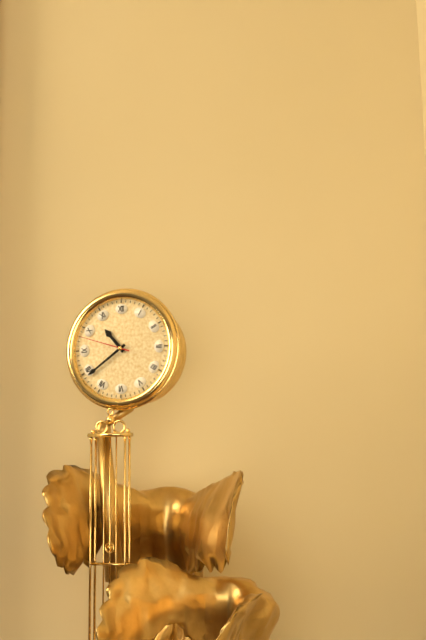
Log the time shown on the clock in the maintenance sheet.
10:39:48
